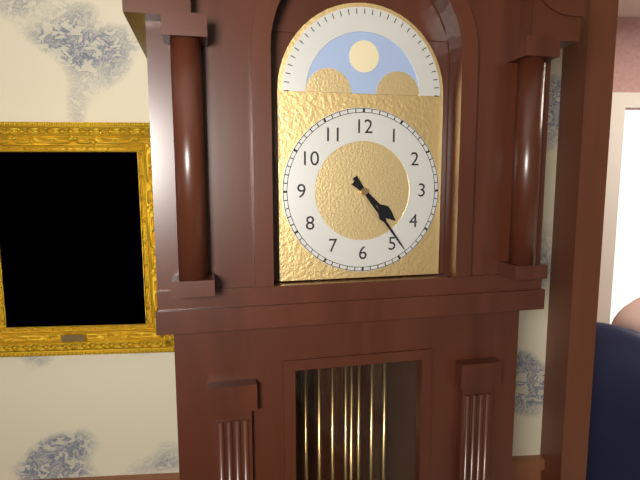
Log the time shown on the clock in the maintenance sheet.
4:24
